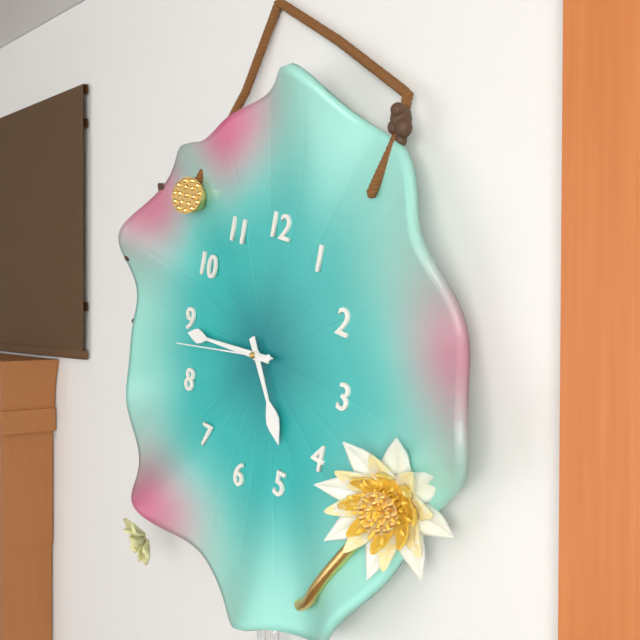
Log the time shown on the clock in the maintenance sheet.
4:44:43
